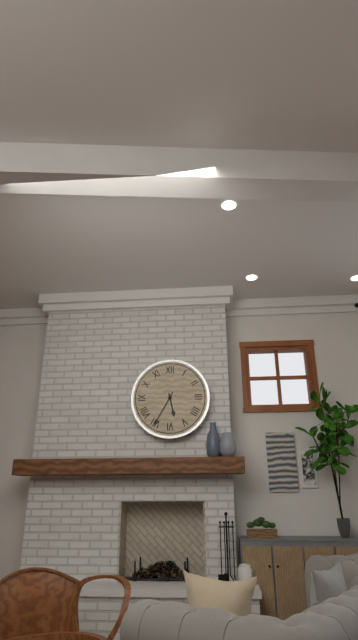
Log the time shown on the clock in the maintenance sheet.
5:35
